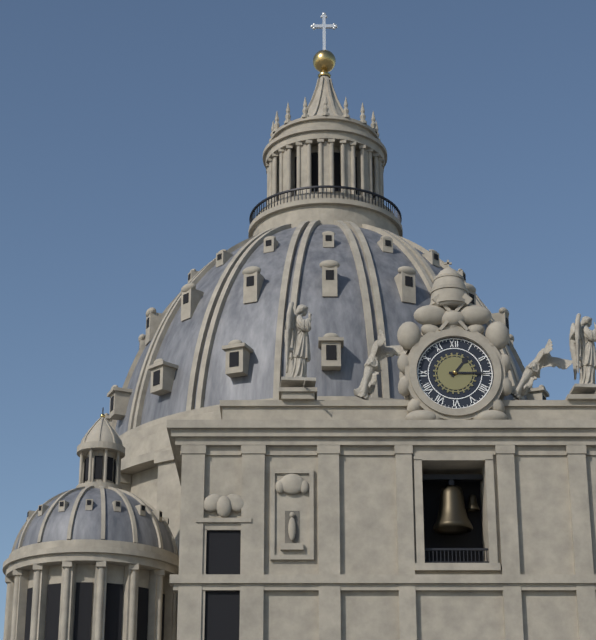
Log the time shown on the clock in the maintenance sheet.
1:15
